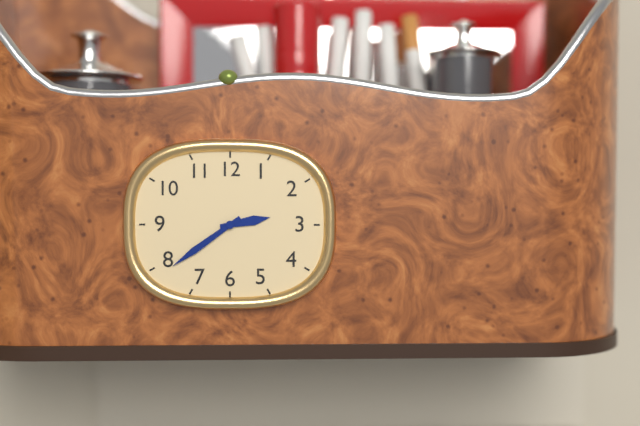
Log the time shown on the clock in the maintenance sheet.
2:39
